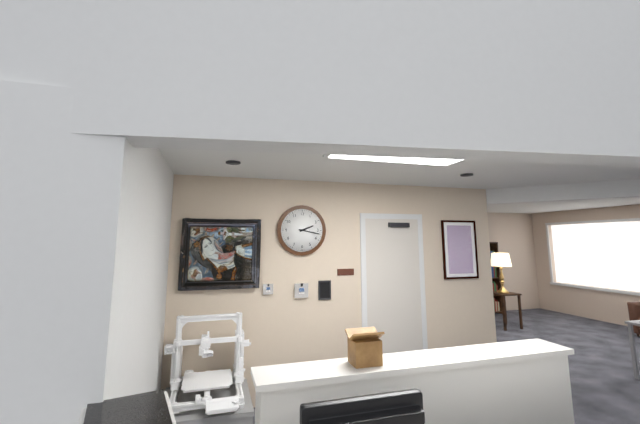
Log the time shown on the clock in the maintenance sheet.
2:17
